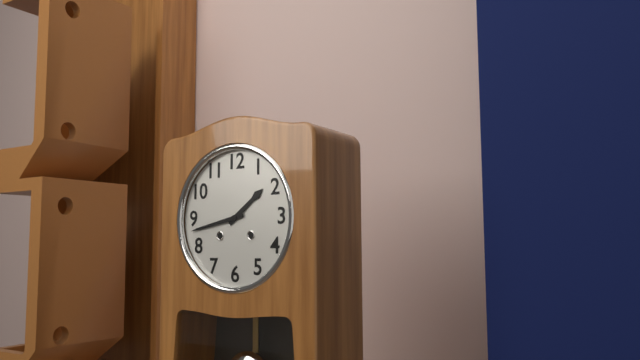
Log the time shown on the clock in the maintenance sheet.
1:43
